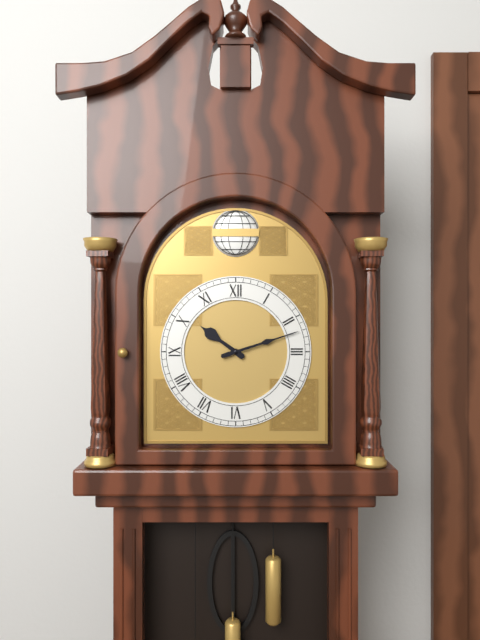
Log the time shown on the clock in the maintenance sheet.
10:12
